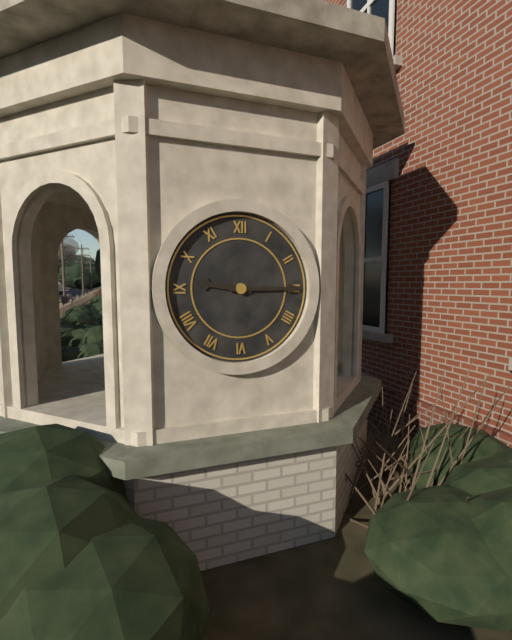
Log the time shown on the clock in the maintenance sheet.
9:15
